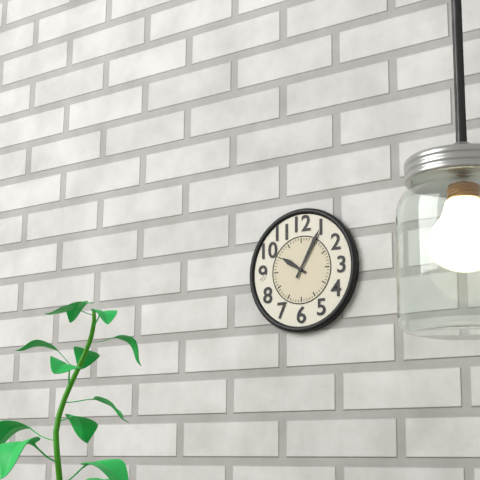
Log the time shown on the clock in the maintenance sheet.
10:05
